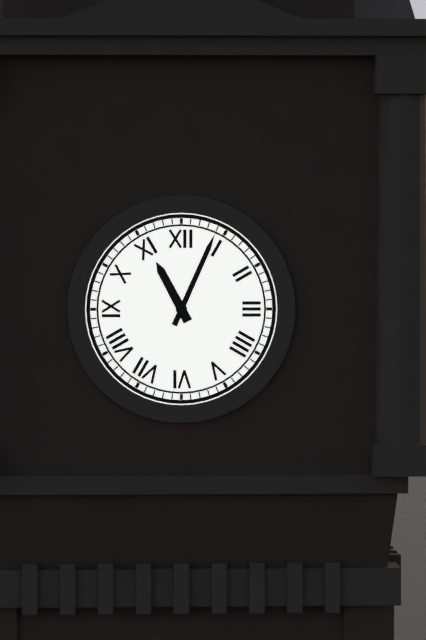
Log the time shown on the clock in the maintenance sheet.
11:04
